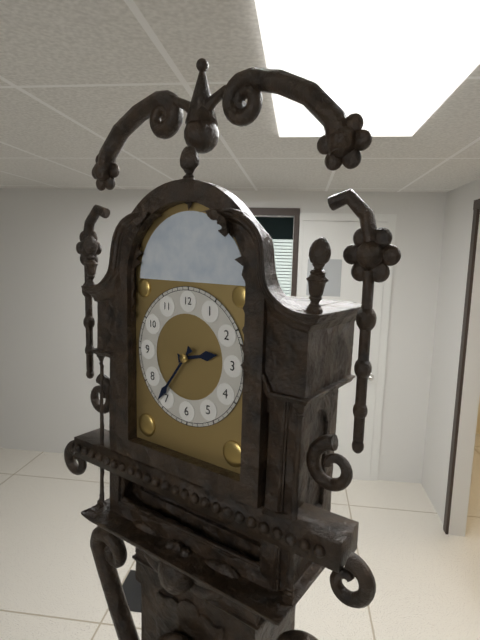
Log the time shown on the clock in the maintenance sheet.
2:36
